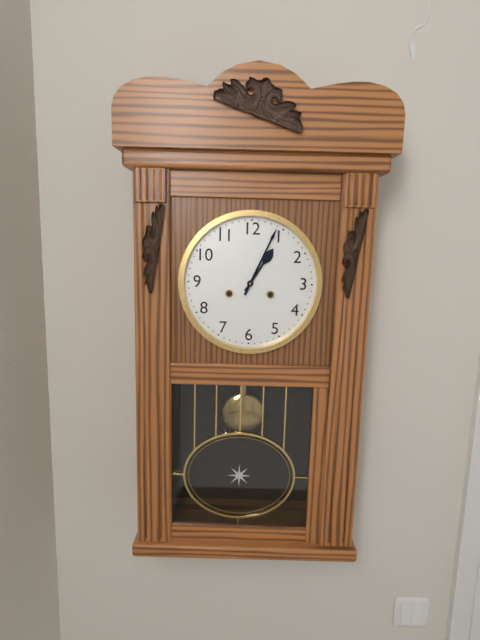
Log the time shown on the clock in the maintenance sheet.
1:04
